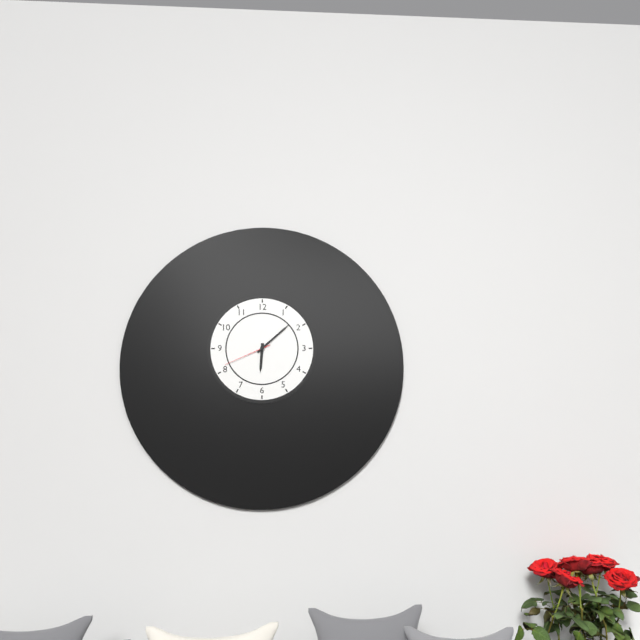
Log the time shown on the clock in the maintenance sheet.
6:08:41
